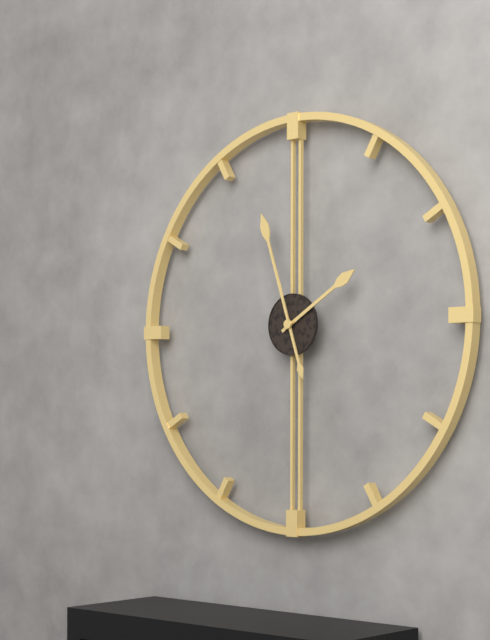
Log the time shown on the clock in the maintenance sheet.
1:57
